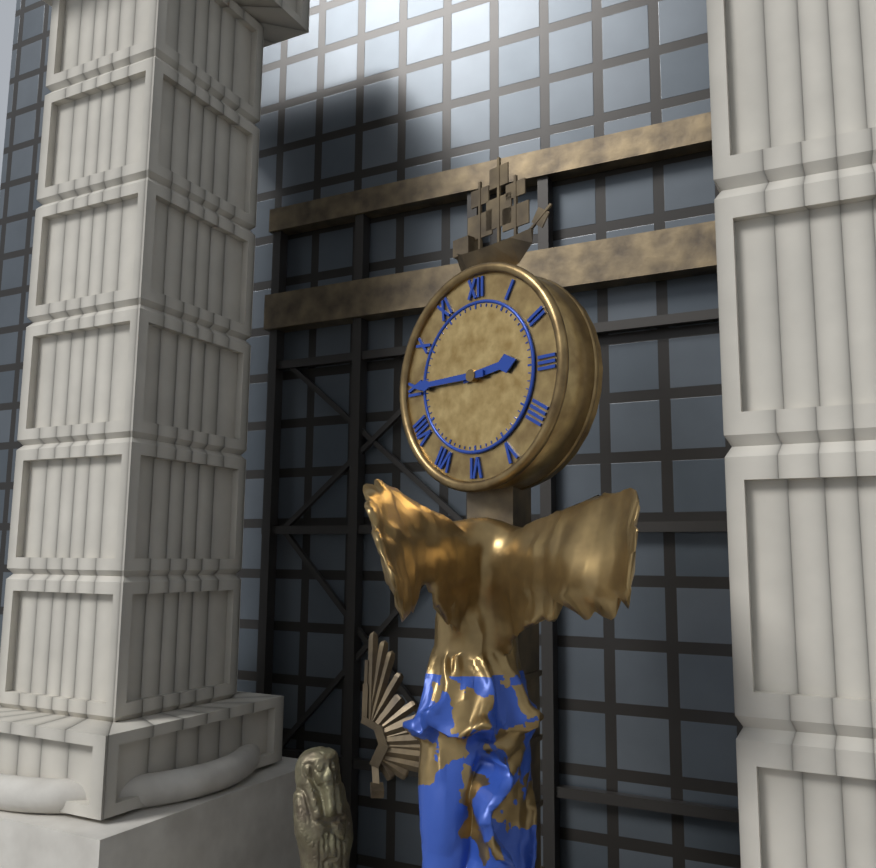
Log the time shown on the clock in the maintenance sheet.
2:45
